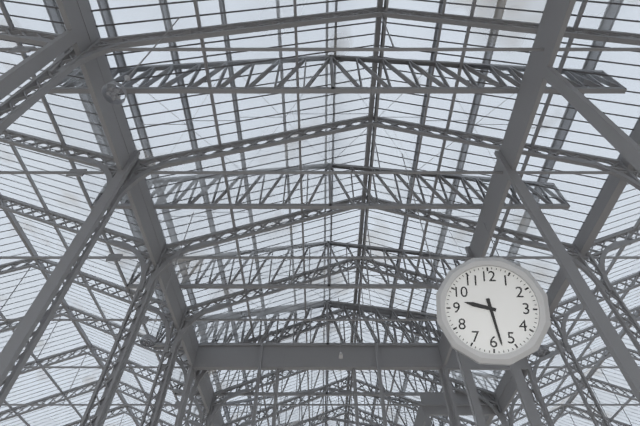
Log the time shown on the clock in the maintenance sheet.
9:28
